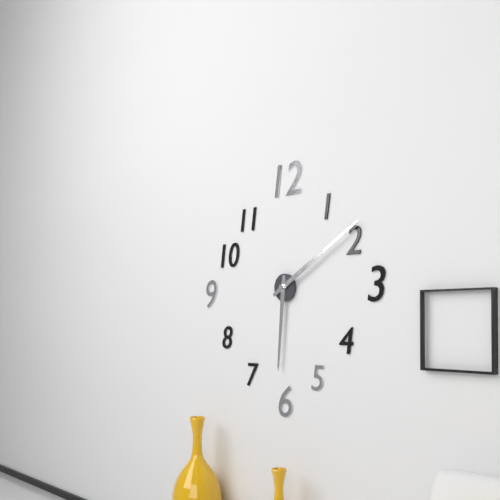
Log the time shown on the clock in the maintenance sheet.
6:10
